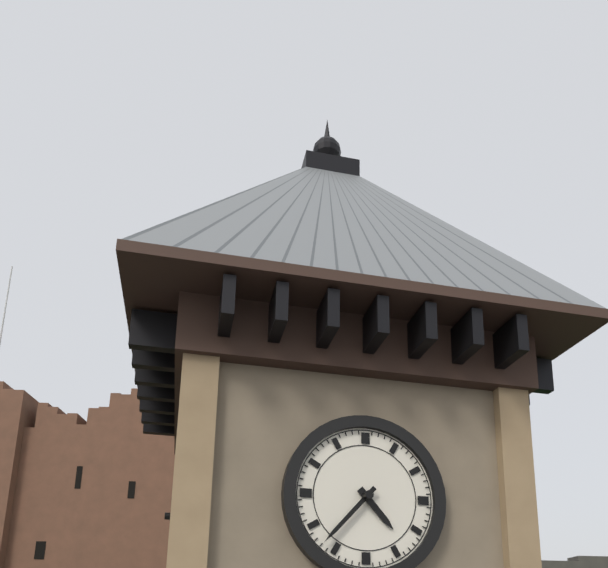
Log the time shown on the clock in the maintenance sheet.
4:37
